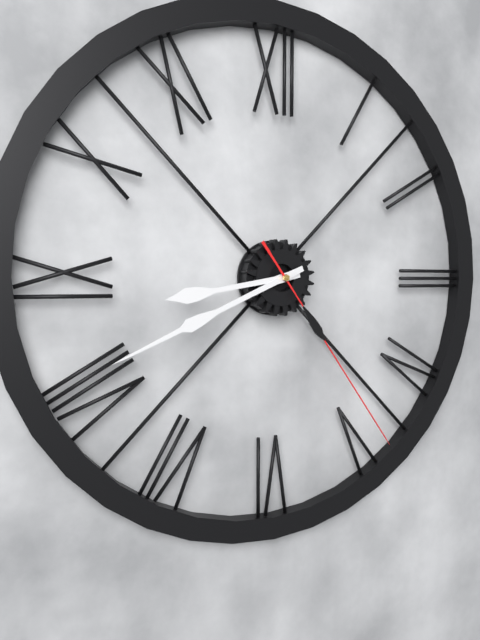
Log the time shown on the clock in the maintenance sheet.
8:41:24
